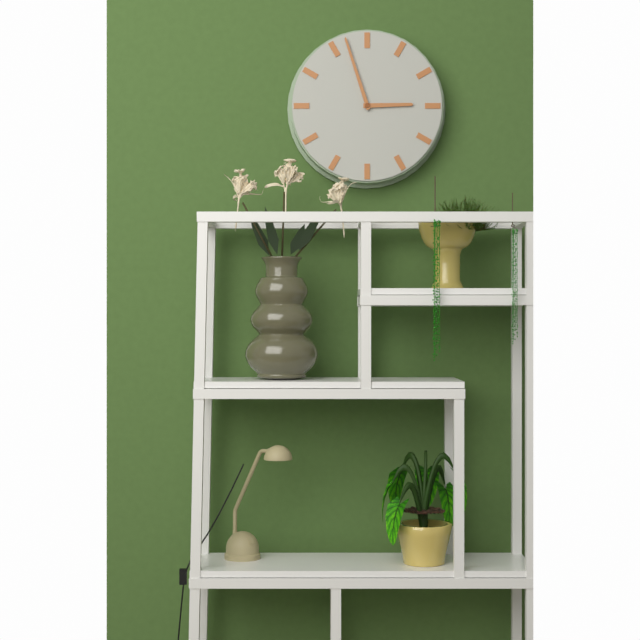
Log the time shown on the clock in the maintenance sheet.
2:57
